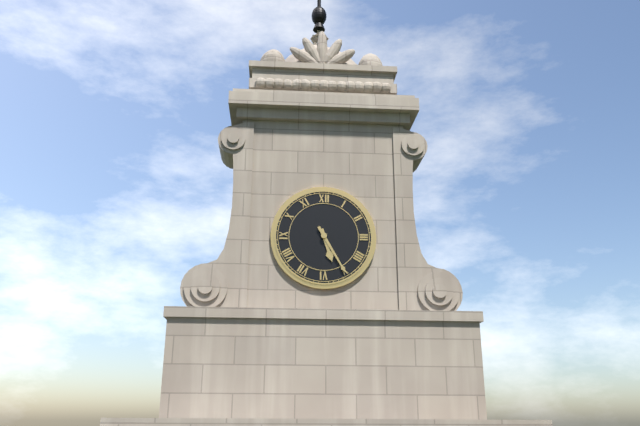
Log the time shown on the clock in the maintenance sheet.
5:25
